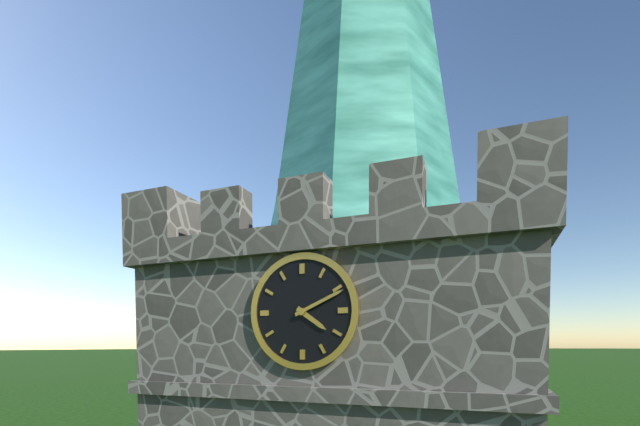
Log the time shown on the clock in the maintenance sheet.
4:11
